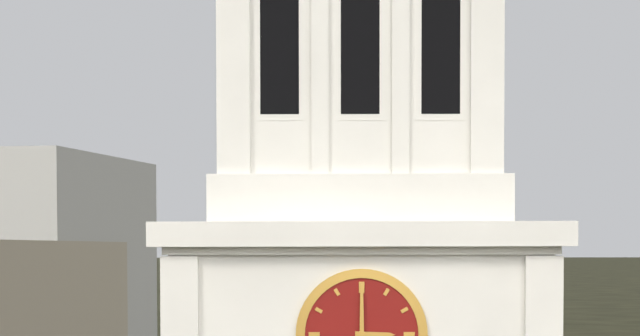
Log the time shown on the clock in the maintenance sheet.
3:00
